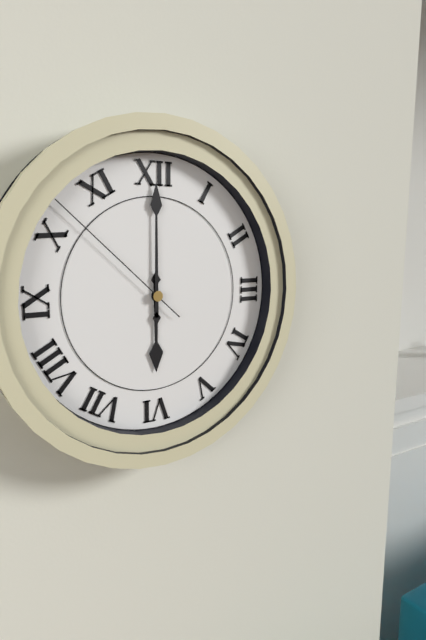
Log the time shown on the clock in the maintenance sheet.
6:00:52
